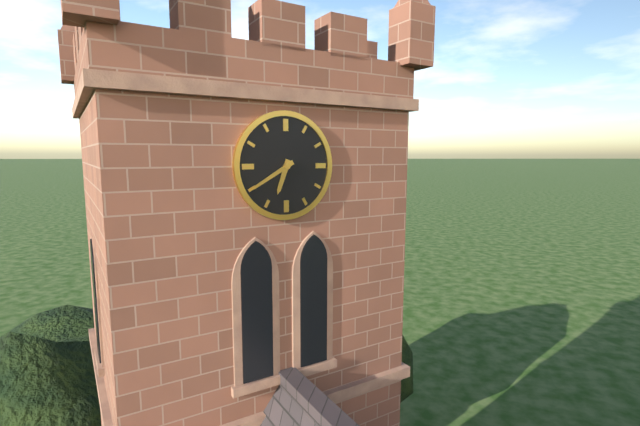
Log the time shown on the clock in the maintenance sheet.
6:40
